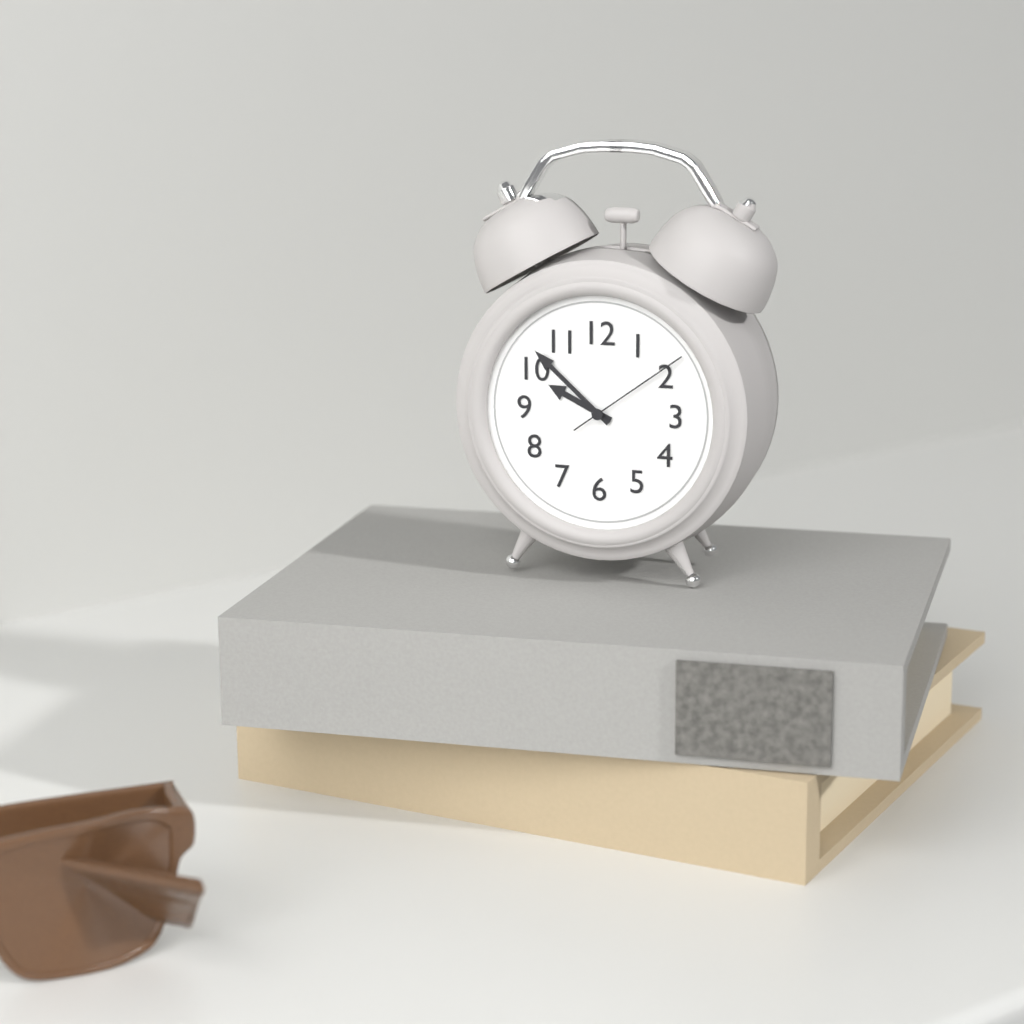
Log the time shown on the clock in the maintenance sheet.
9:52:09
